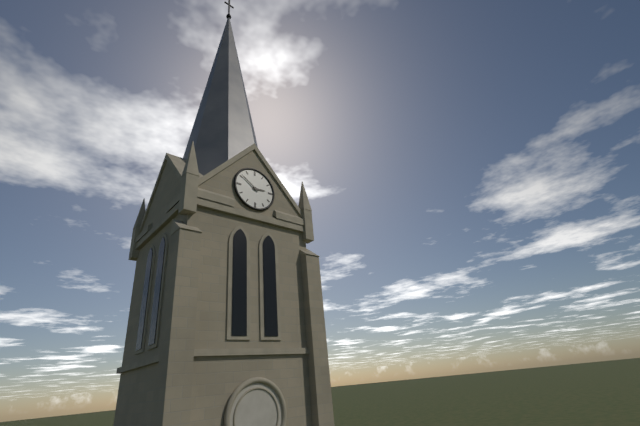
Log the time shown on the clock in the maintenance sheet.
2:51
